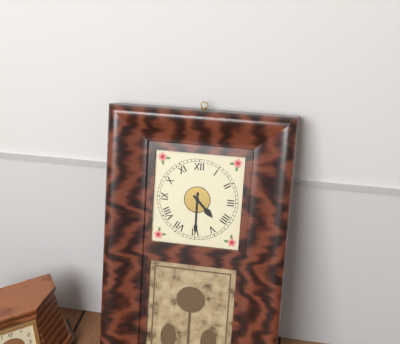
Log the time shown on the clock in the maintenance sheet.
4:30
